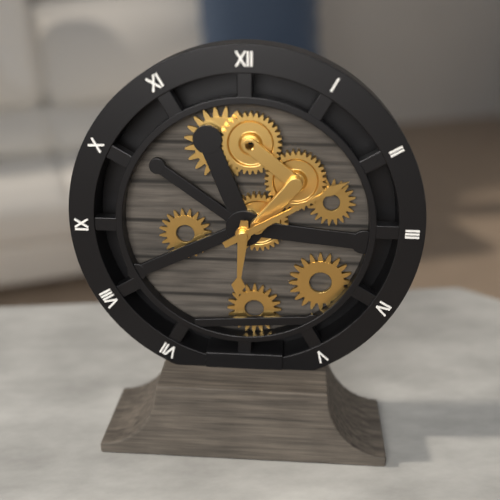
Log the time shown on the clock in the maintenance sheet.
6:10
